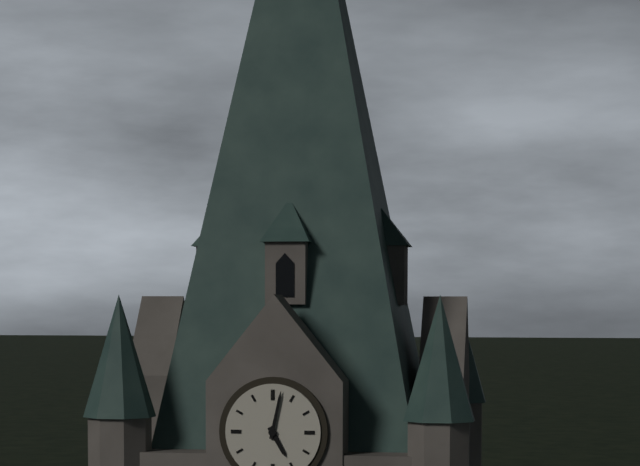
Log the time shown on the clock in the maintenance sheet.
5:02
